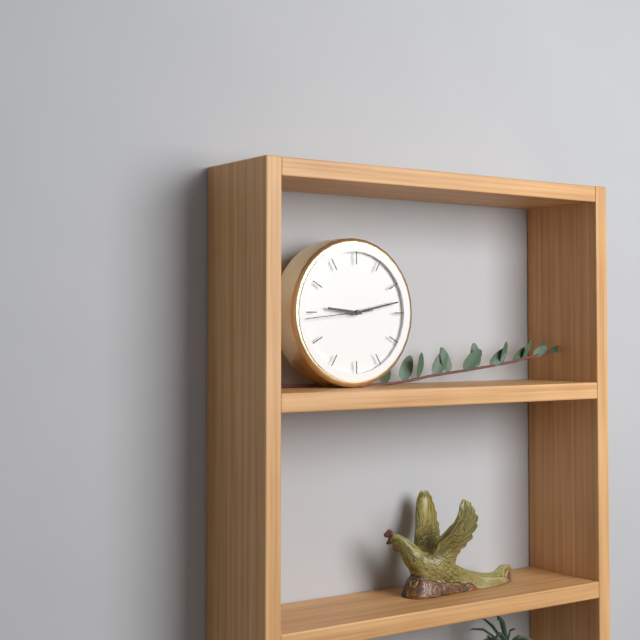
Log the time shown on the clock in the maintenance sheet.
9:13:44
